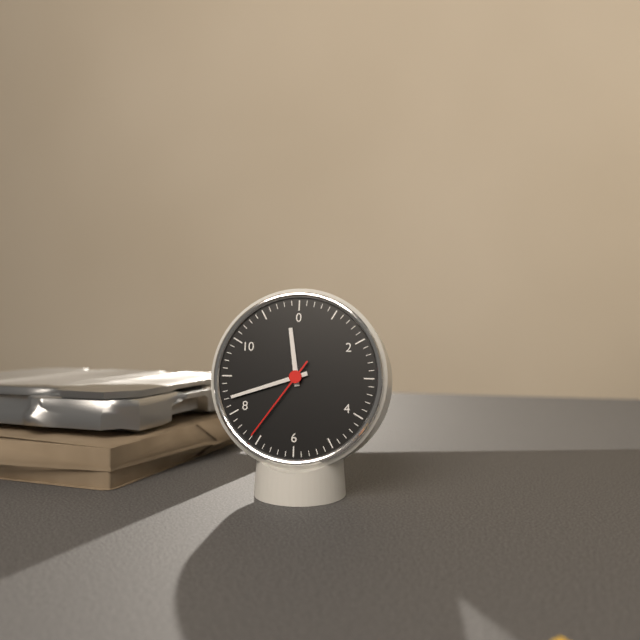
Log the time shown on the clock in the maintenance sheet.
11:42:36
